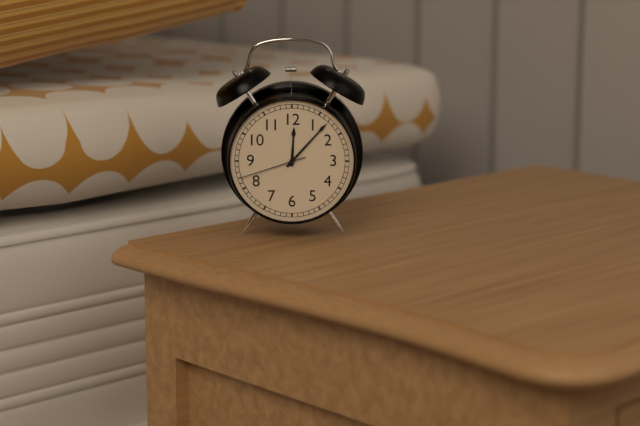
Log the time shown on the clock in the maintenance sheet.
12:07:42
